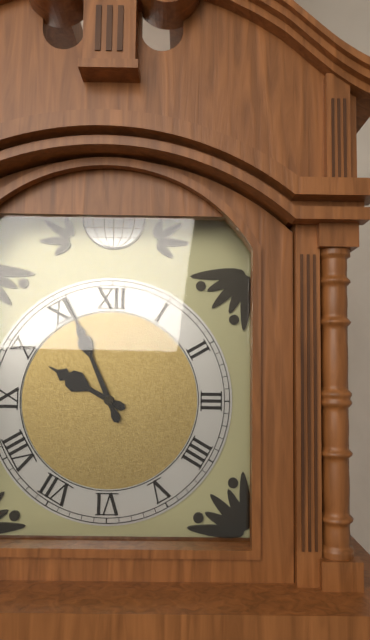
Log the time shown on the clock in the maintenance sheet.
9:56
